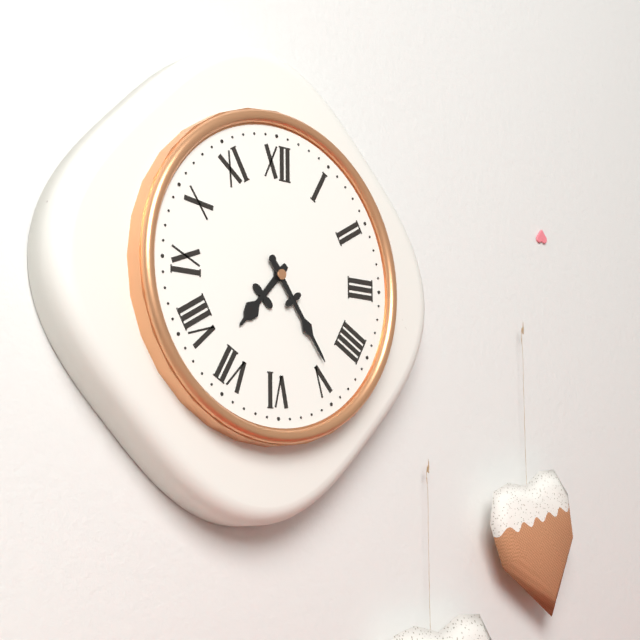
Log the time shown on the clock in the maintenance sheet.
7:24
